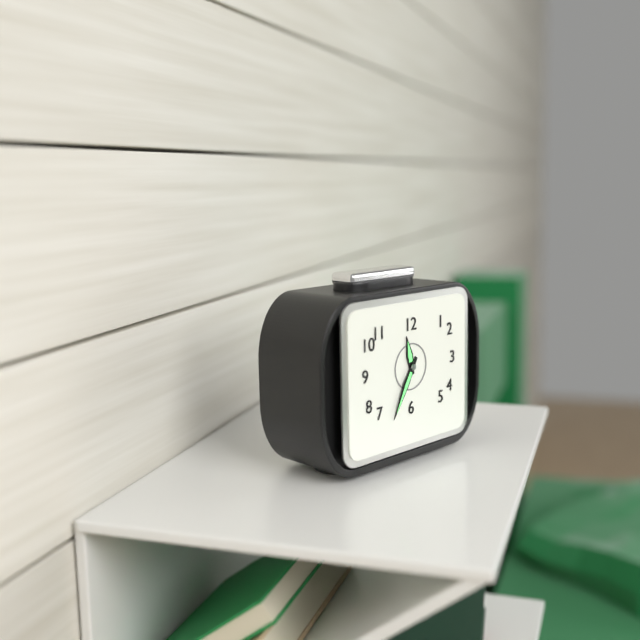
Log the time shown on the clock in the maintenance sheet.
11:35
